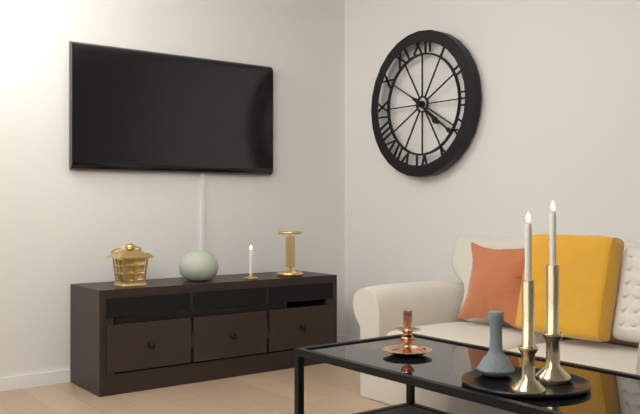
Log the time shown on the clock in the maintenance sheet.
4:21
